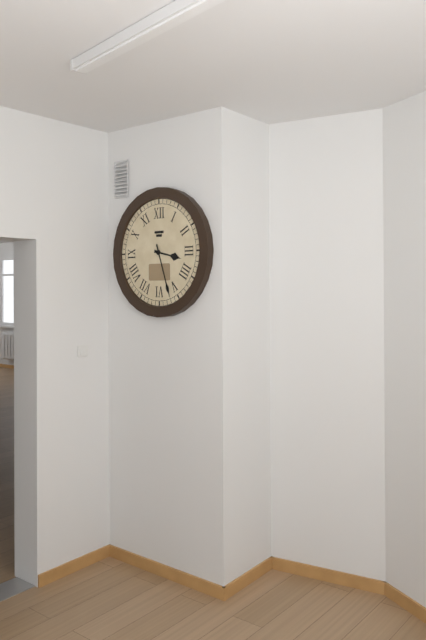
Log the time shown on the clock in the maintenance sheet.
3:27
